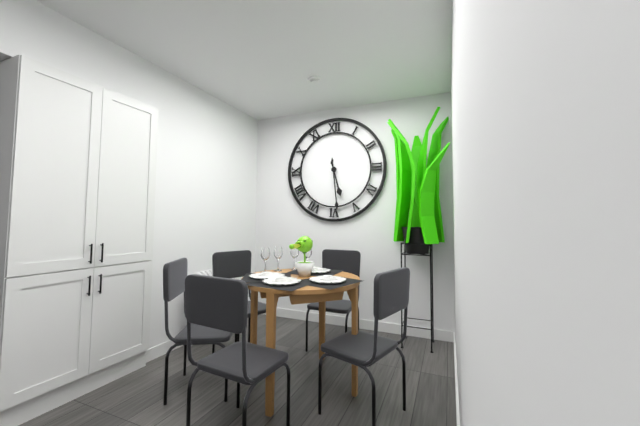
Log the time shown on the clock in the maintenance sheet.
5:29
